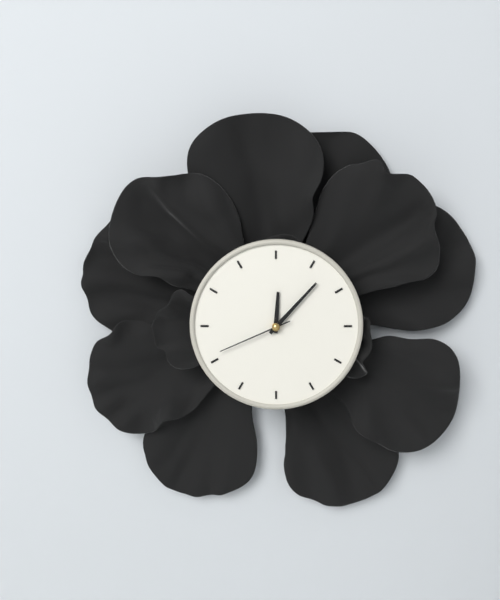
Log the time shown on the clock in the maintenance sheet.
12:07:41
